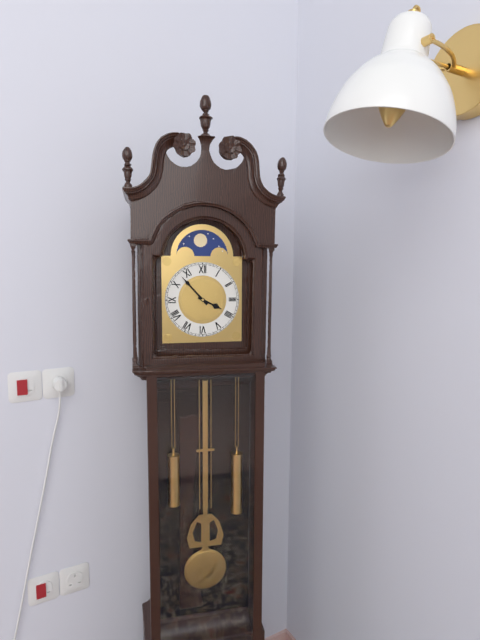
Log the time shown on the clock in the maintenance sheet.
3:53
